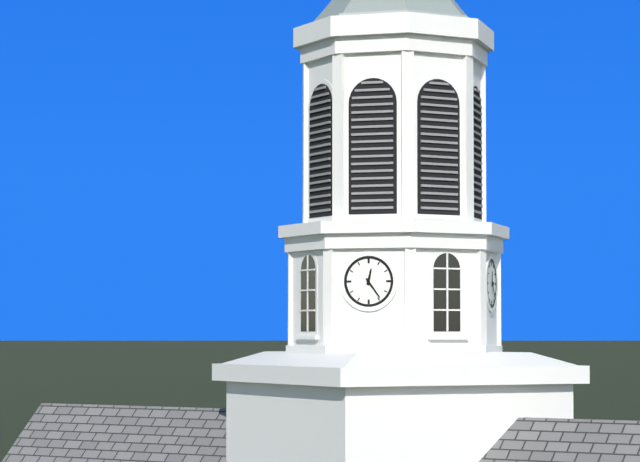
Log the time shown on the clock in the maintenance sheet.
12:24
